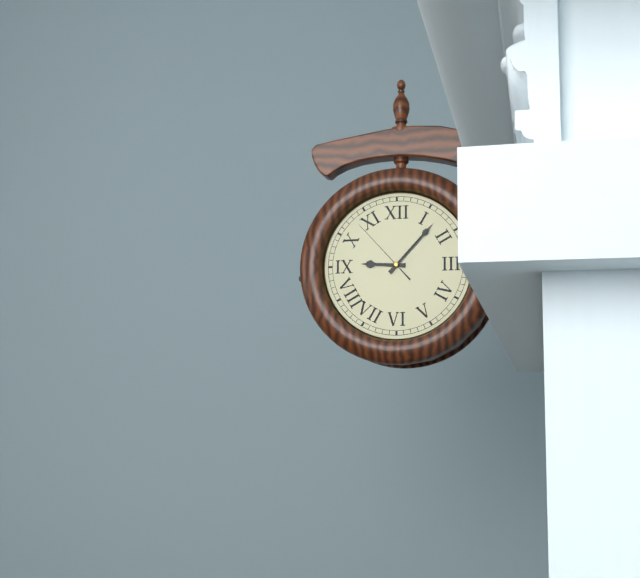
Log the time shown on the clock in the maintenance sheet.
9:07:53
